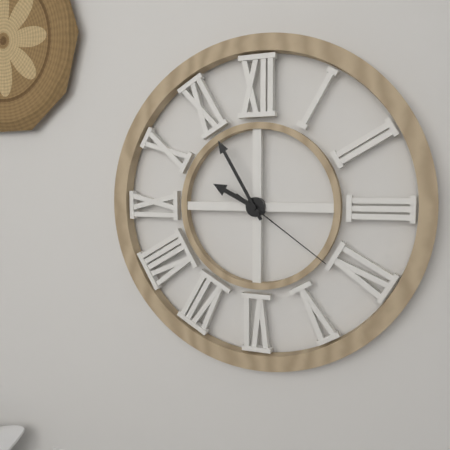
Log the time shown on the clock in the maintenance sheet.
9:55:21
